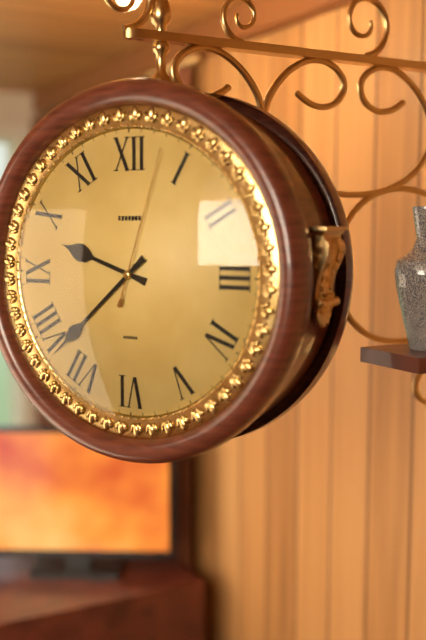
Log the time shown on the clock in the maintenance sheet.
9:38:03
